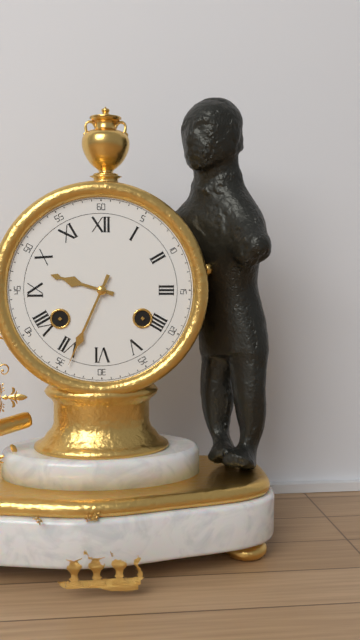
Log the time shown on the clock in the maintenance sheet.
9:34
